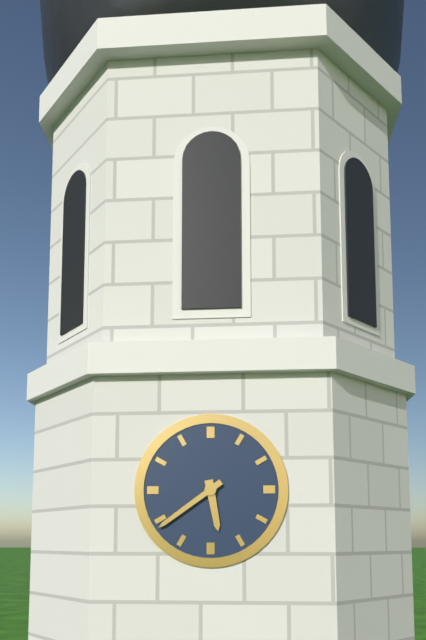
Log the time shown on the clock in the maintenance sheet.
5:39
